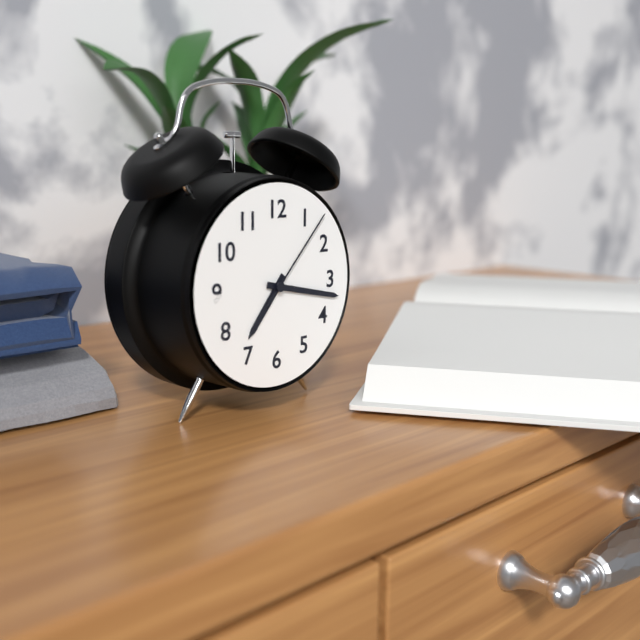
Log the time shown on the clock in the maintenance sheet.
7:17:07
